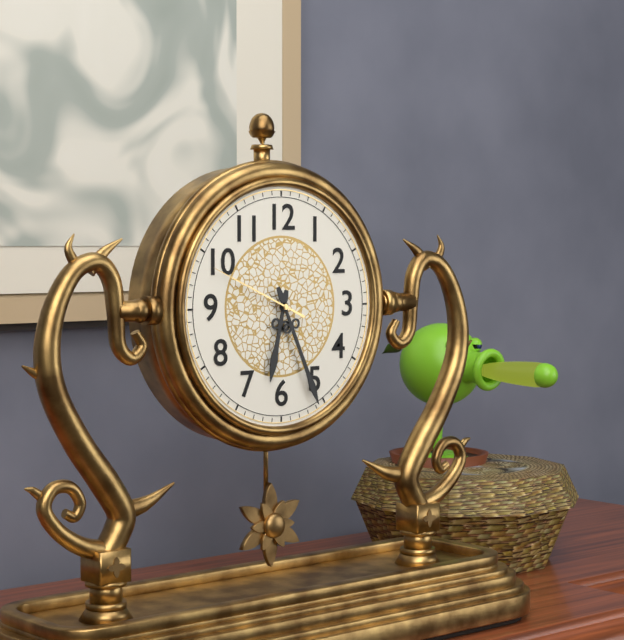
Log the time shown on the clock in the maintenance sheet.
6:26:49
